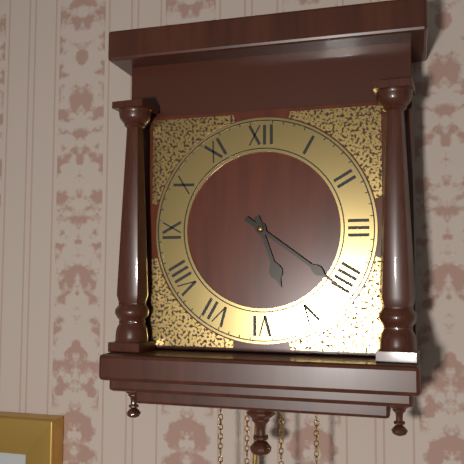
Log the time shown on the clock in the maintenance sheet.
5:21
